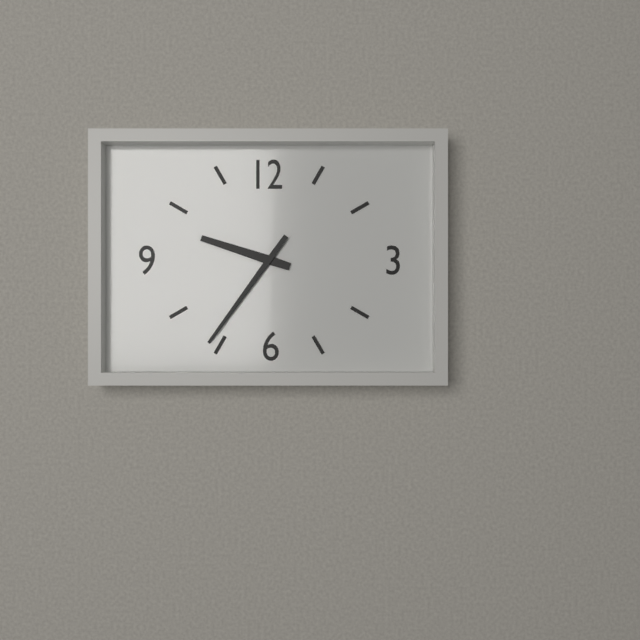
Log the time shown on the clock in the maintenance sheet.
9:36
